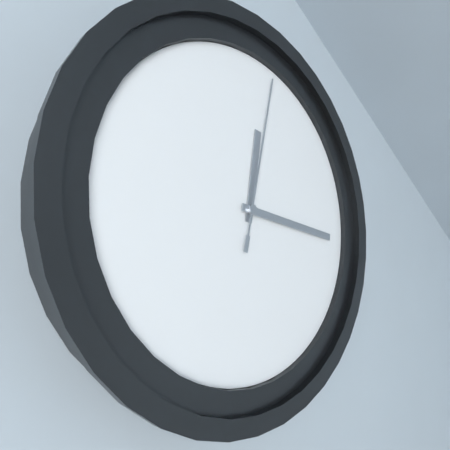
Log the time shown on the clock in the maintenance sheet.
12:16:02
